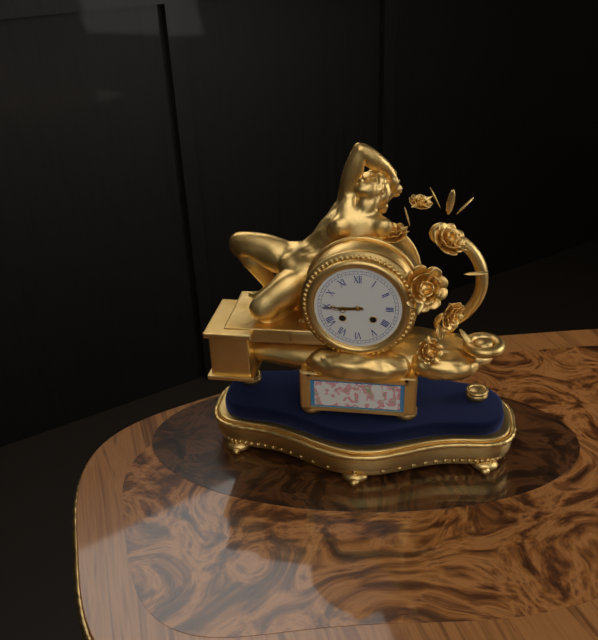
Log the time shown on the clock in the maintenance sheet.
8:45
